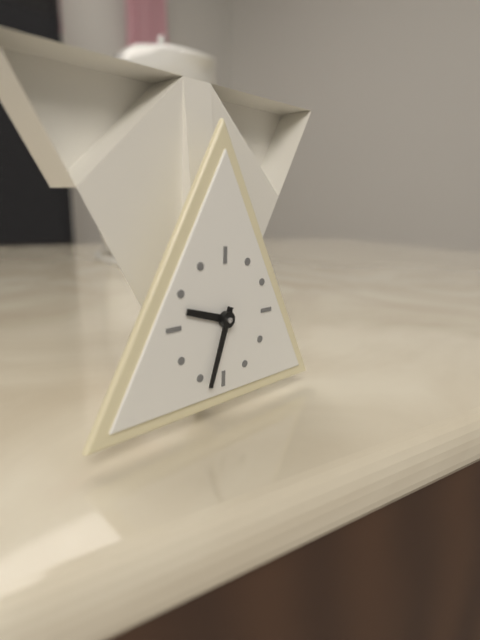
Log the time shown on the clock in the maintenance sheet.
9:33
